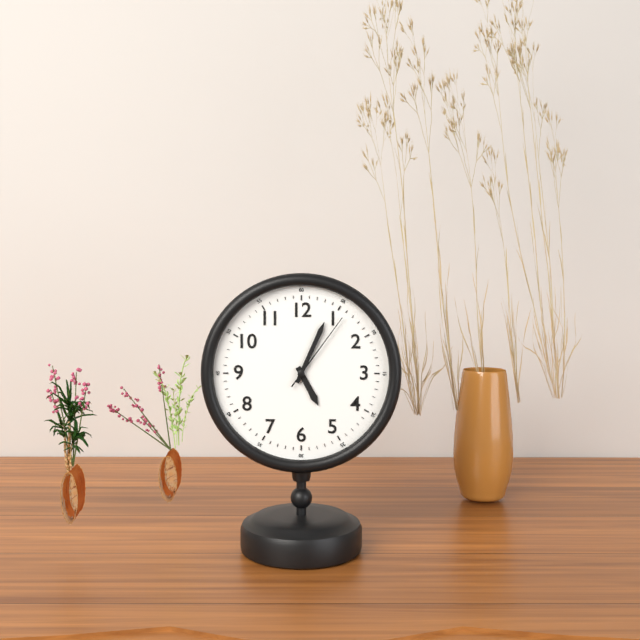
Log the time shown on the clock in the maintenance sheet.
5:04:06
